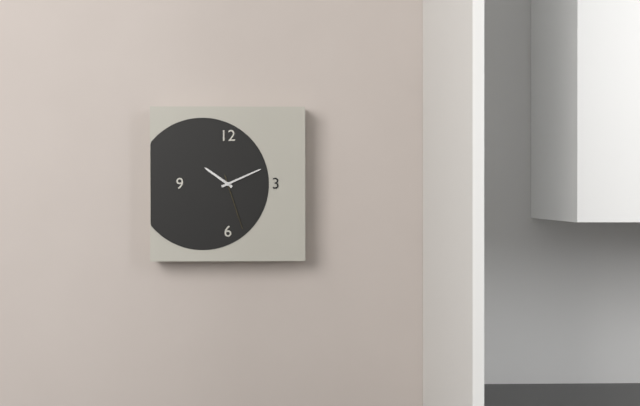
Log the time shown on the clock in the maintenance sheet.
10:11:27
